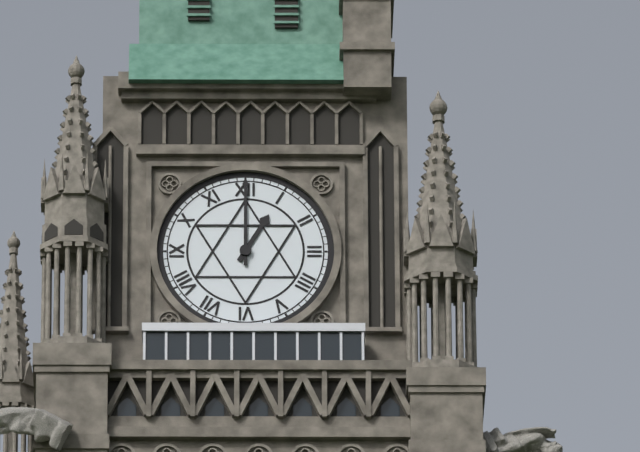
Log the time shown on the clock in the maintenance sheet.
1:00
